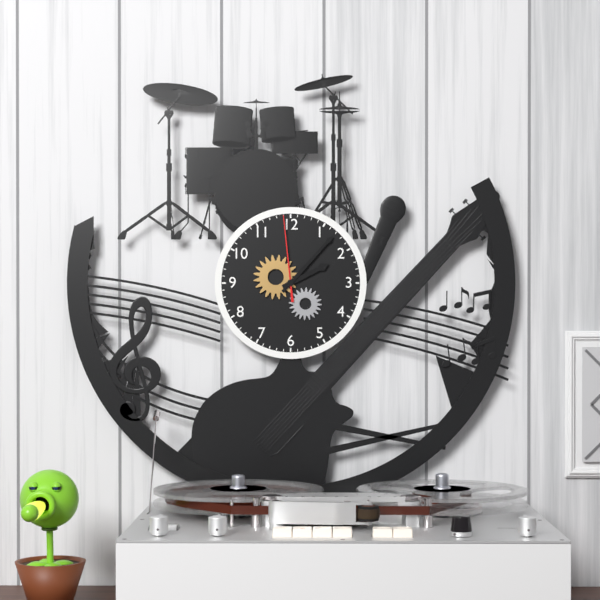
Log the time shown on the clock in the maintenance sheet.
2:07:59
